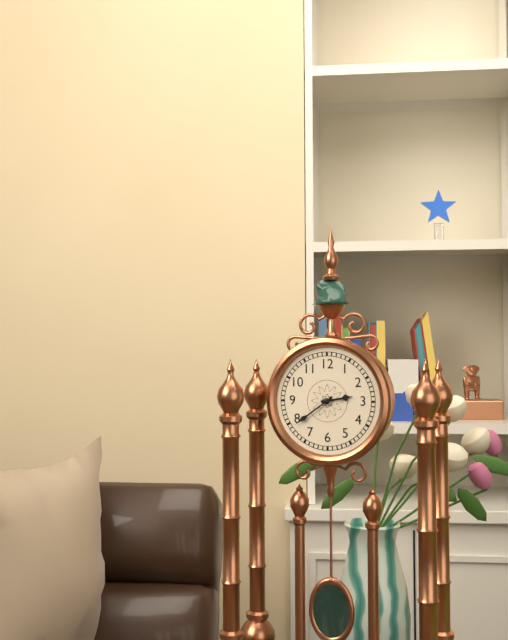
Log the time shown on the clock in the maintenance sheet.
2:39
